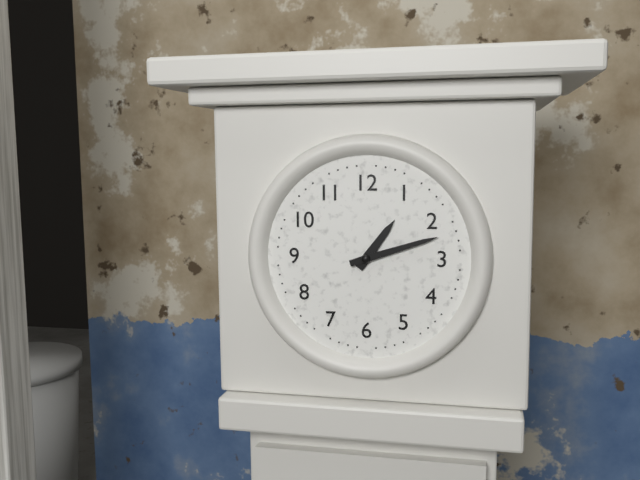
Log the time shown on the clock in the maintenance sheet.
1:12
